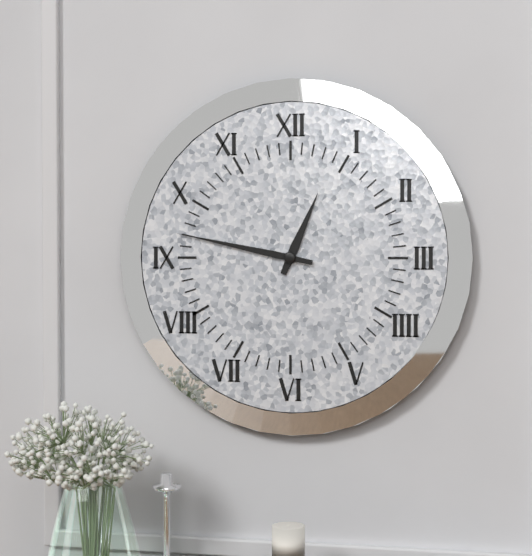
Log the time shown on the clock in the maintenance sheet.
12:47
